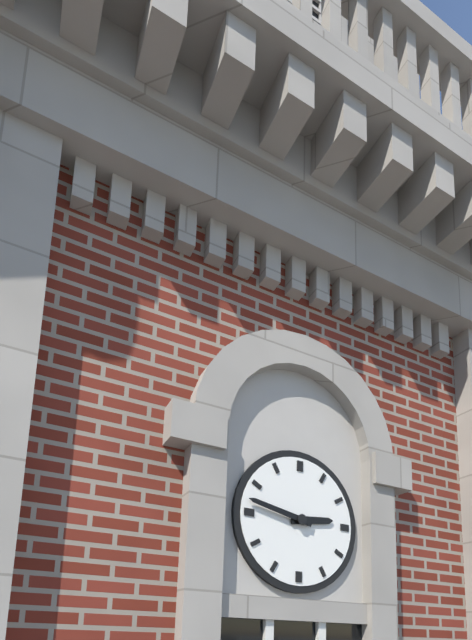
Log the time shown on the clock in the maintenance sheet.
2:47
